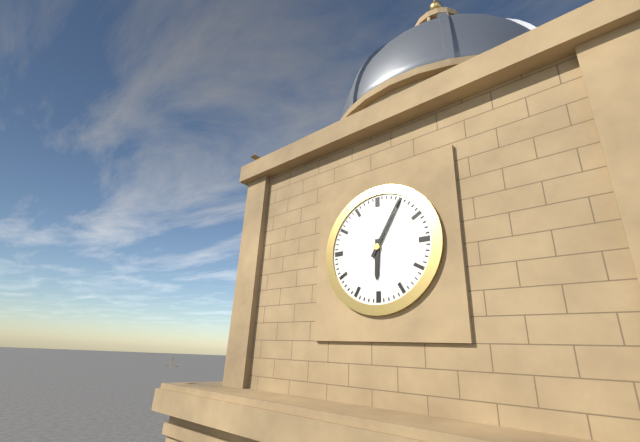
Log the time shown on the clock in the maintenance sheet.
6:05
